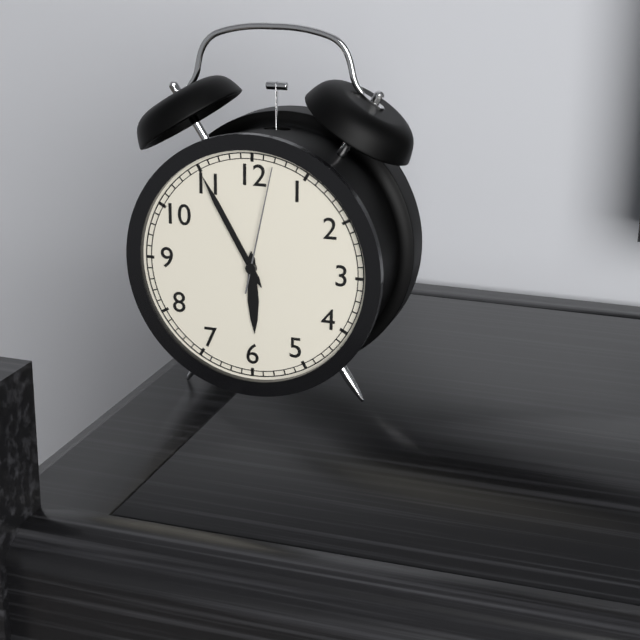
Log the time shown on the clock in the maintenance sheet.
5:55:02
